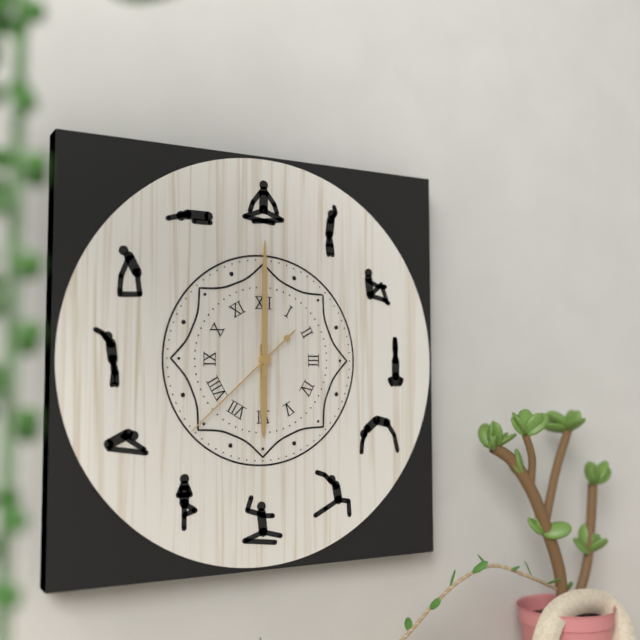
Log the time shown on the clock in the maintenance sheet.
6:00:38
